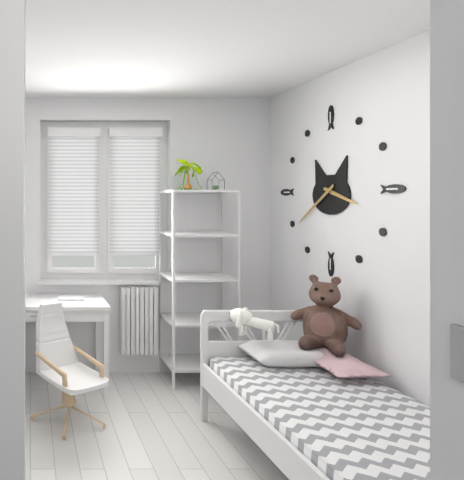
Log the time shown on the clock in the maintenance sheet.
3:39
